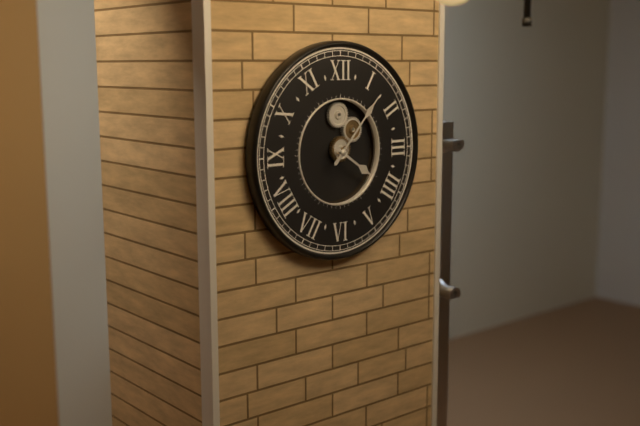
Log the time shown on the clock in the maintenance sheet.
4:07
